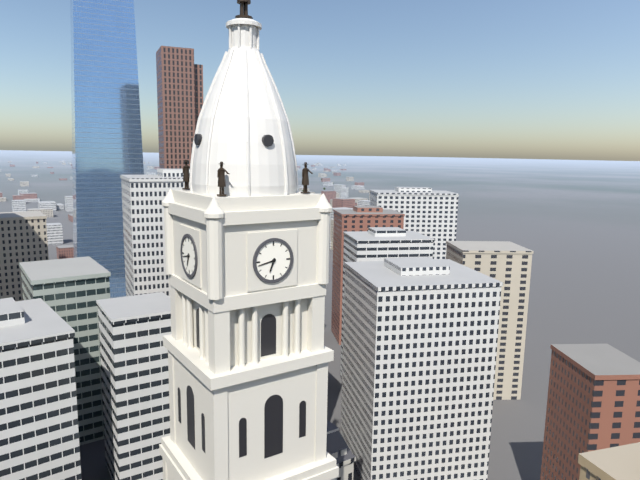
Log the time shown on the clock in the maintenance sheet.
6:43
